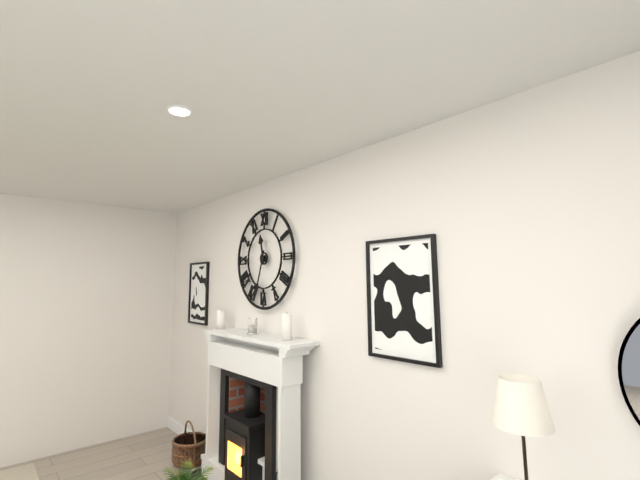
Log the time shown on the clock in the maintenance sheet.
11:33
